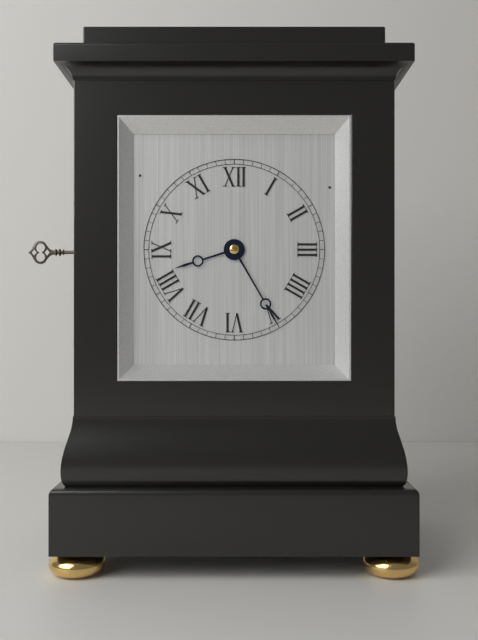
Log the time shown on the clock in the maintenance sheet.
8:25
